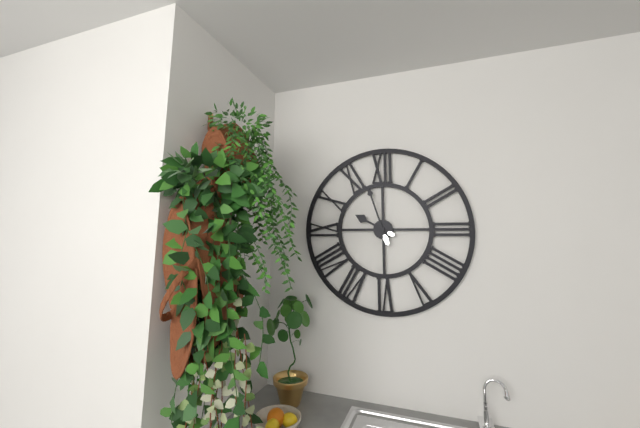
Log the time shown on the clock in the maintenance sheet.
9:57
